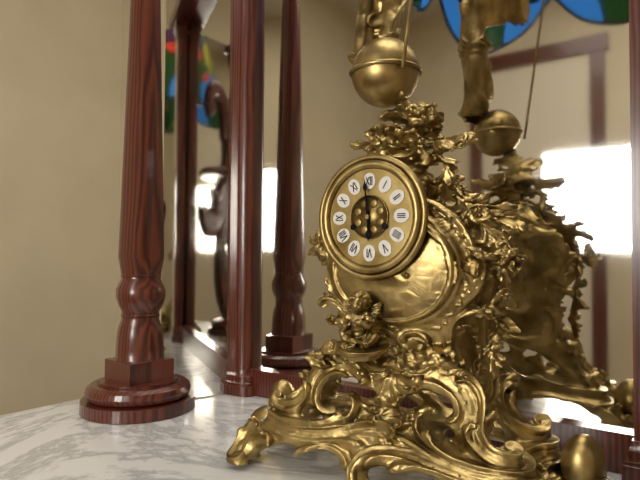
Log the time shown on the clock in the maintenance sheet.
5:59
